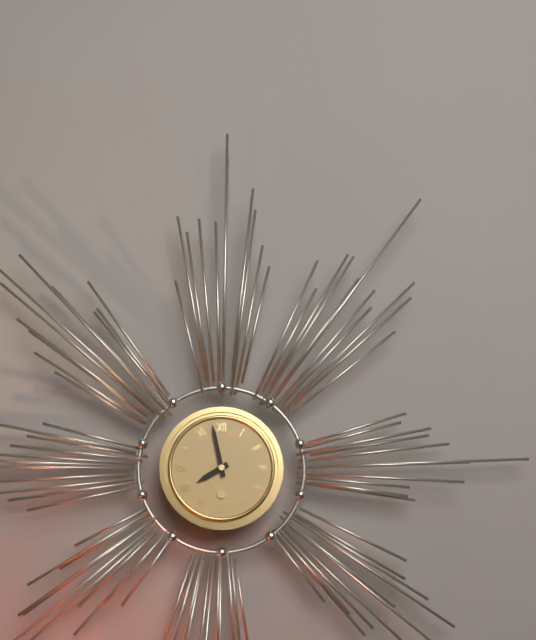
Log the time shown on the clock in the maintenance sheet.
7:58
